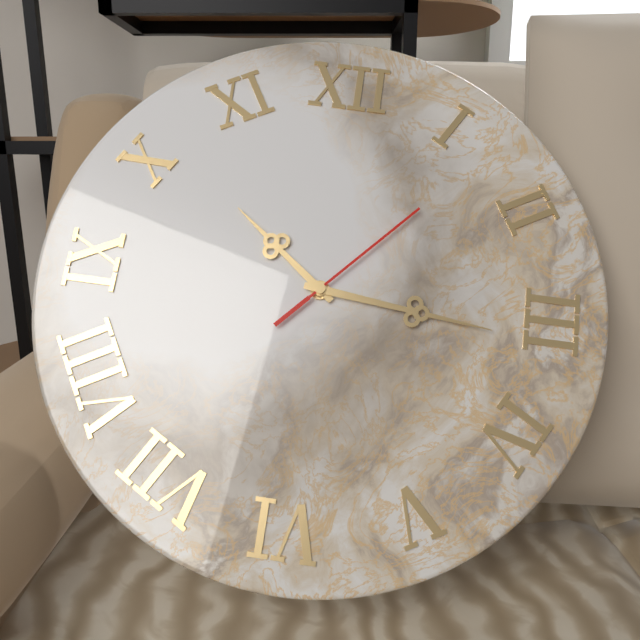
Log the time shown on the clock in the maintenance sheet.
10:16:07
